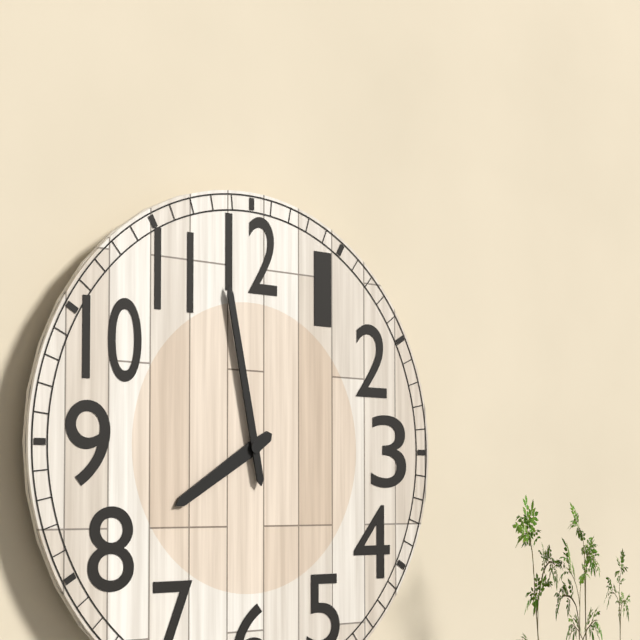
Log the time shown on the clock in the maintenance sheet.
7:58
